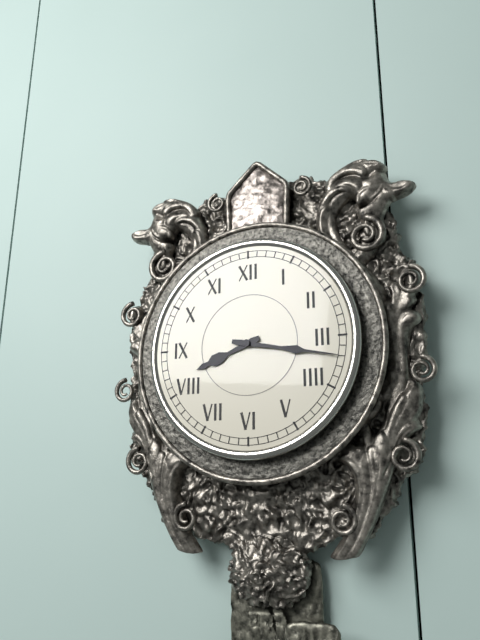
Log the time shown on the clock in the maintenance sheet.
8:17
